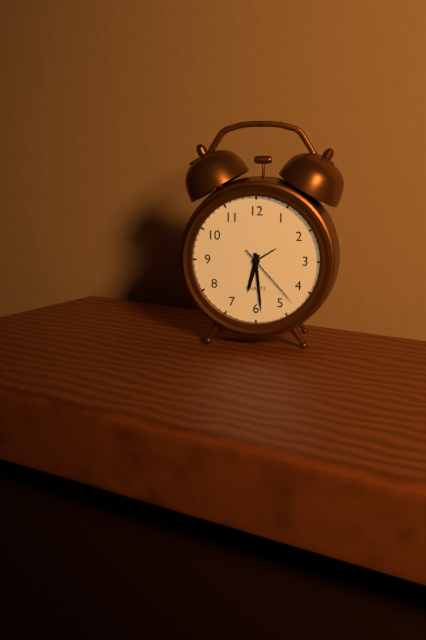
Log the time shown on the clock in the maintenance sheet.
6:29:23
